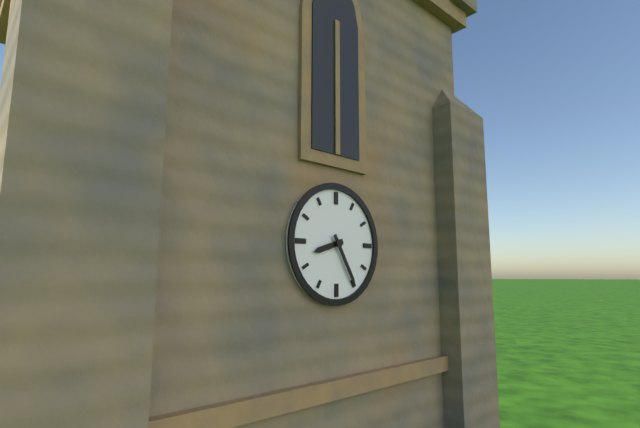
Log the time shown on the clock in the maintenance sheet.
8:25
